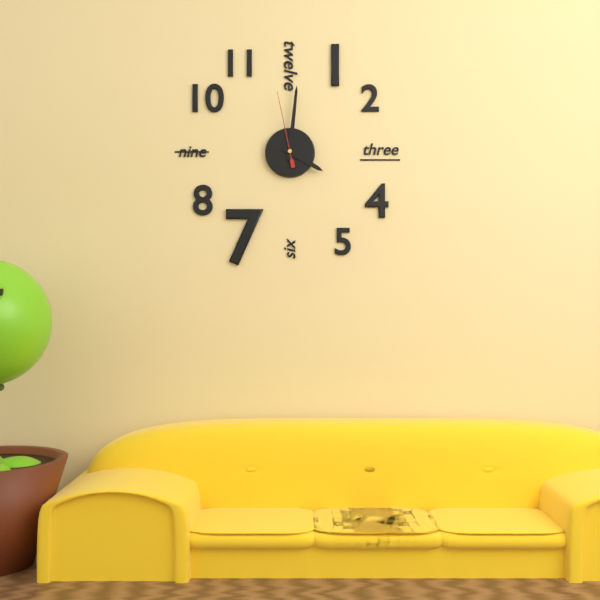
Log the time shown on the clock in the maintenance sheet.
4:01:58
